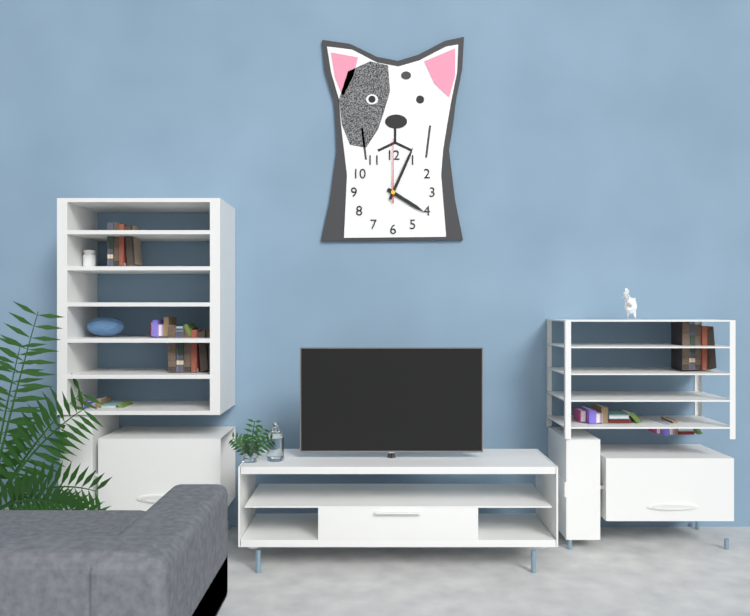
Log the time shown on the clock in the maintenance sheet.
4:04:00
